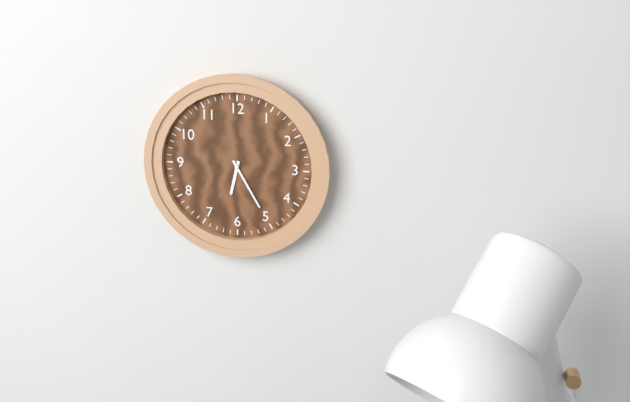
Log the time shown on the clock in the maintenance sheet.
6:25
